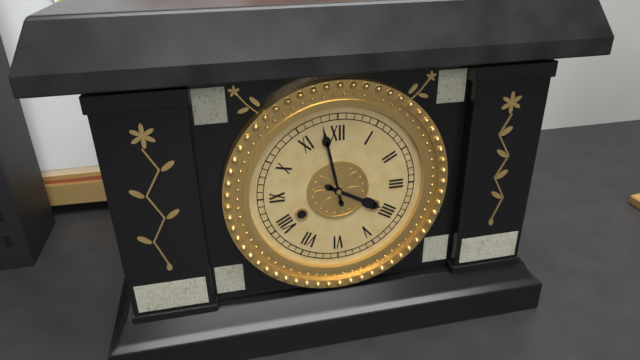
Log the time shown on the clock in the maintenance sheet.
3:58
